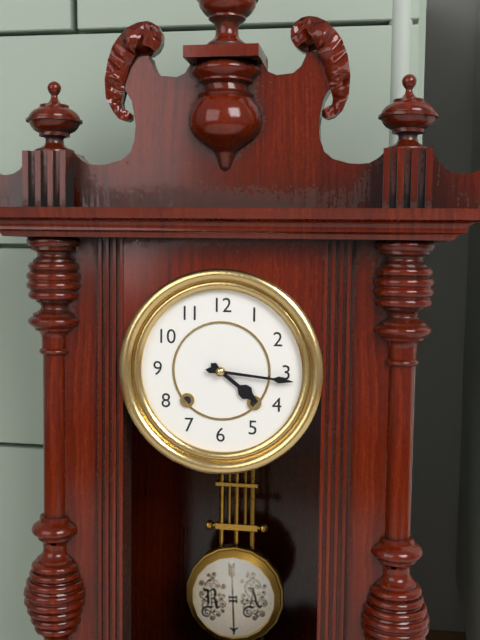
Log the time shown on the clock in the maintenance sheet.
4:16
